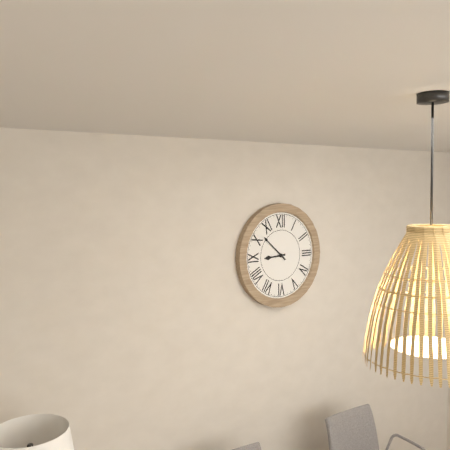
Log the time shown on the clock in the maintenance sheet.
8:52
